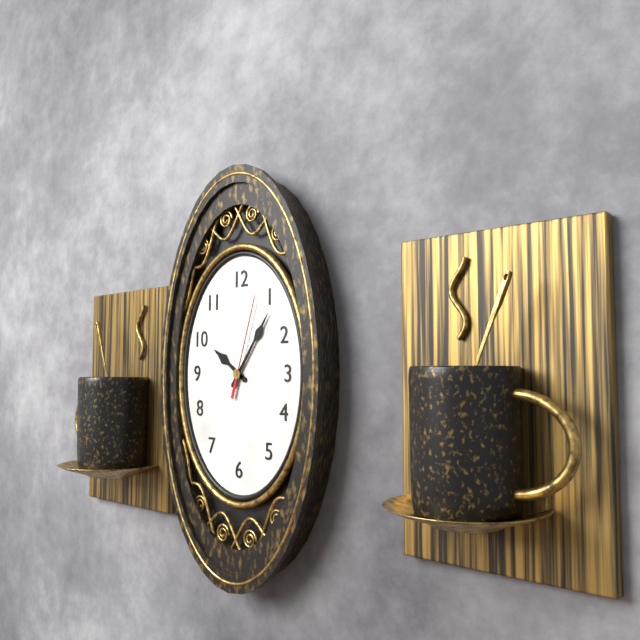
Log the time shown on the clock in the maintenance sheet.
10:06:03
